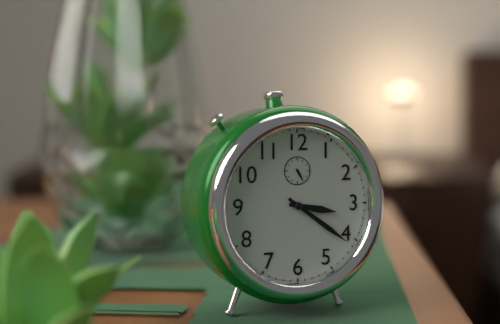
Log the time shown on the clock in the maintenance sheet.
3:21
